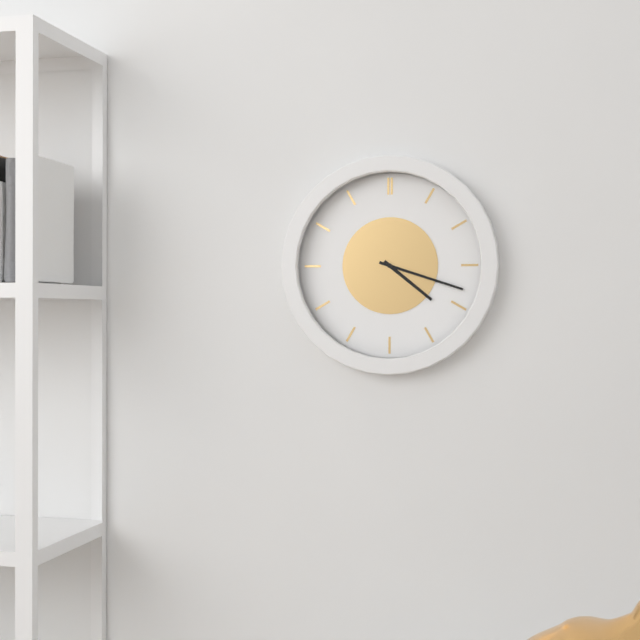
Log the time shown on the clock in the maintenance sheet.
4:18
